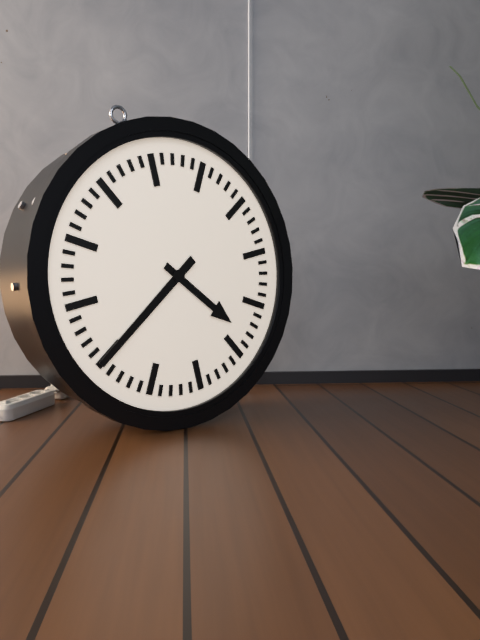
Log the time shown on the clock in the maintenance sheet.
4:40
